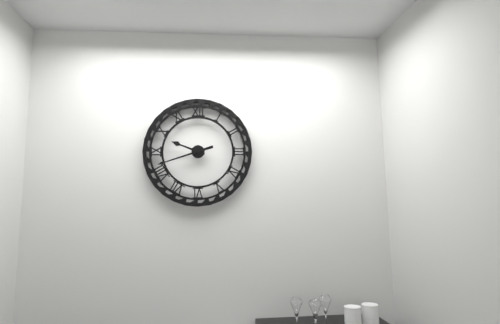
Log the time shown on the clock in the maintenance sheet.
9:42
